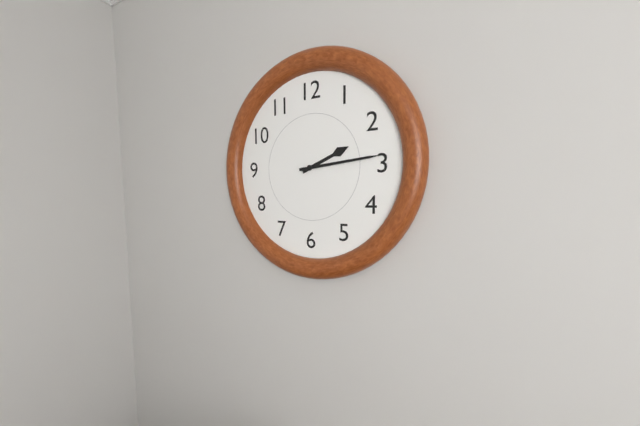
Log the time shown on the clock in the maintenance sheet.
2:14
